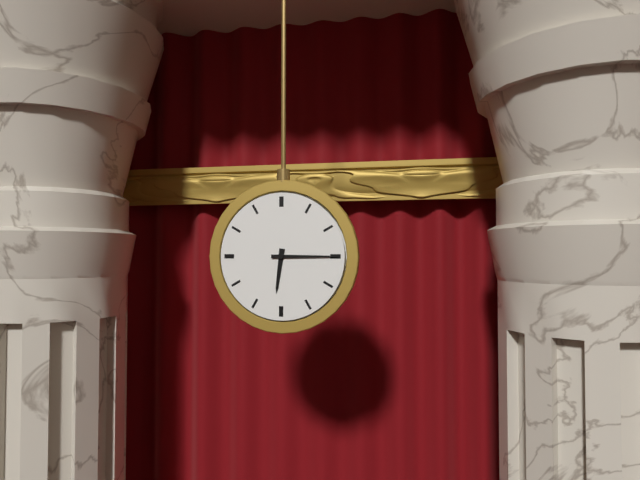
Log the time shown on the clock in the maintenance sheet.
6:15
